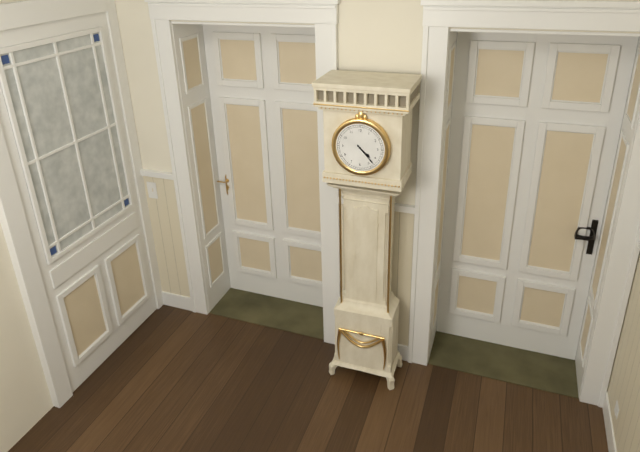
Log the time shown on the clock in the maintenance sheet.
4:23
